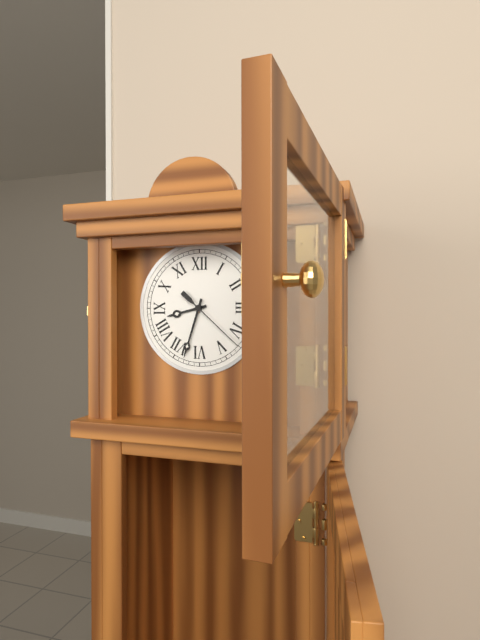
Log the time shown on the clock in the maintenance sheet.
8:33:22
